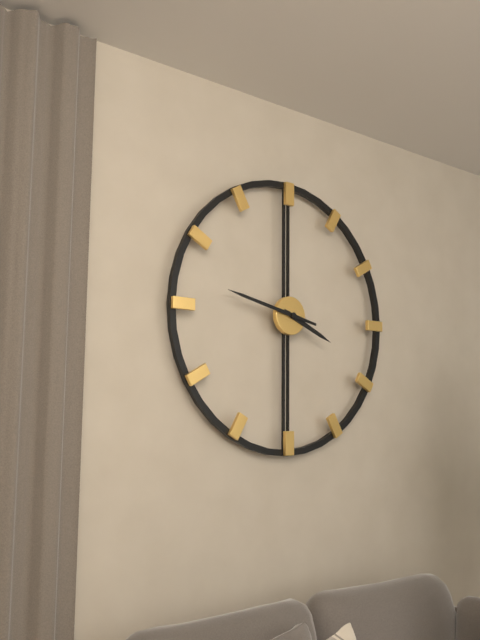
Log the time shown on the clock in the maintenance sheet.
3:47
